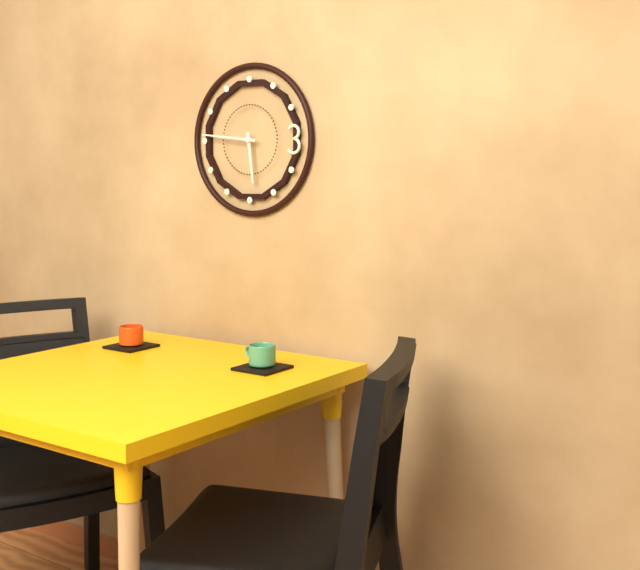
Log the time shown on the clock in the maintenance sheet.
5:46
